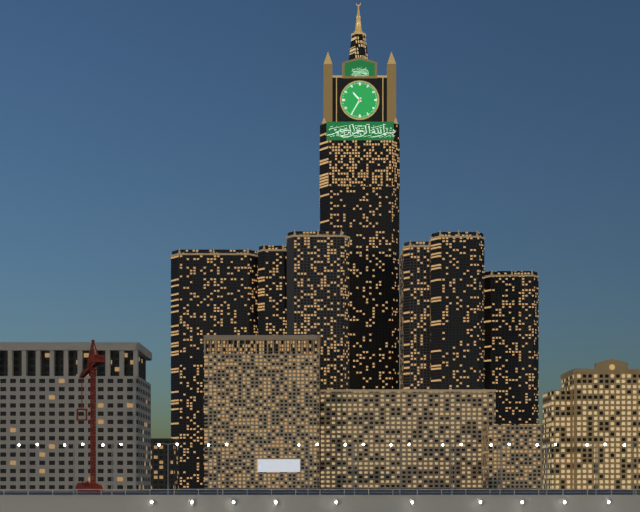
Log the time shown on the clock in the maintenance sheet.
10:35
